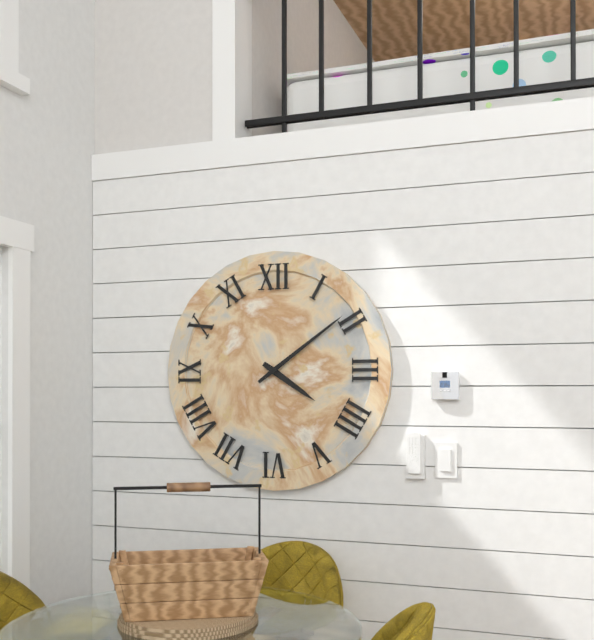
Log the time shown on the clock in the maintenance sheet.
4:09
